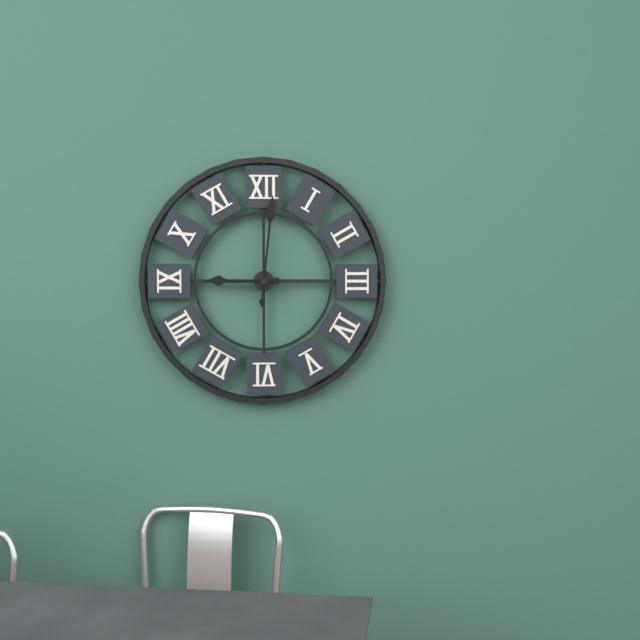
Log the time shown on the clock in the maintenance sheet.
9:01
